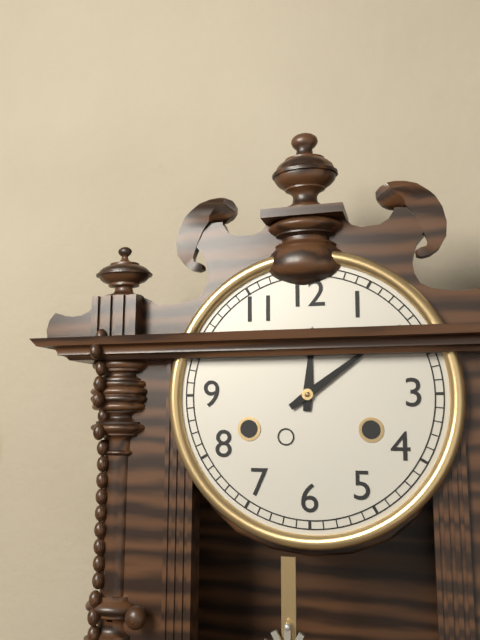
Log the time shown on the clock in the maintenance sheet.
12:09
